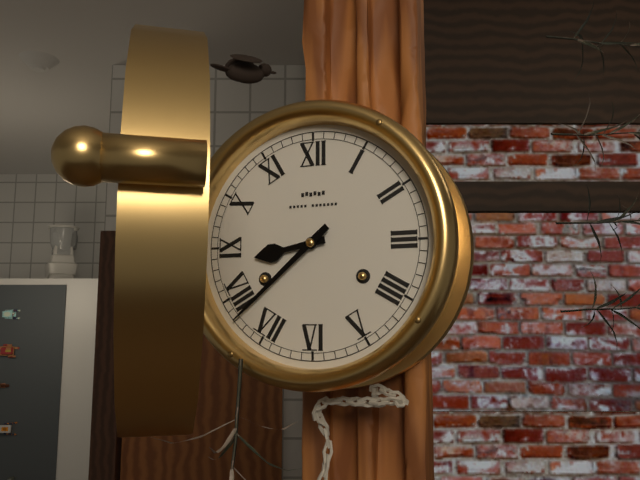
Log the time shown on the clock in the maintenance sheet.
8:38
